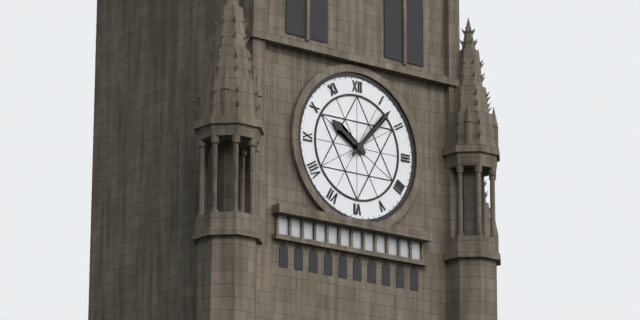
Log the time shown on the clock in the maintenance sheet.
10:07
